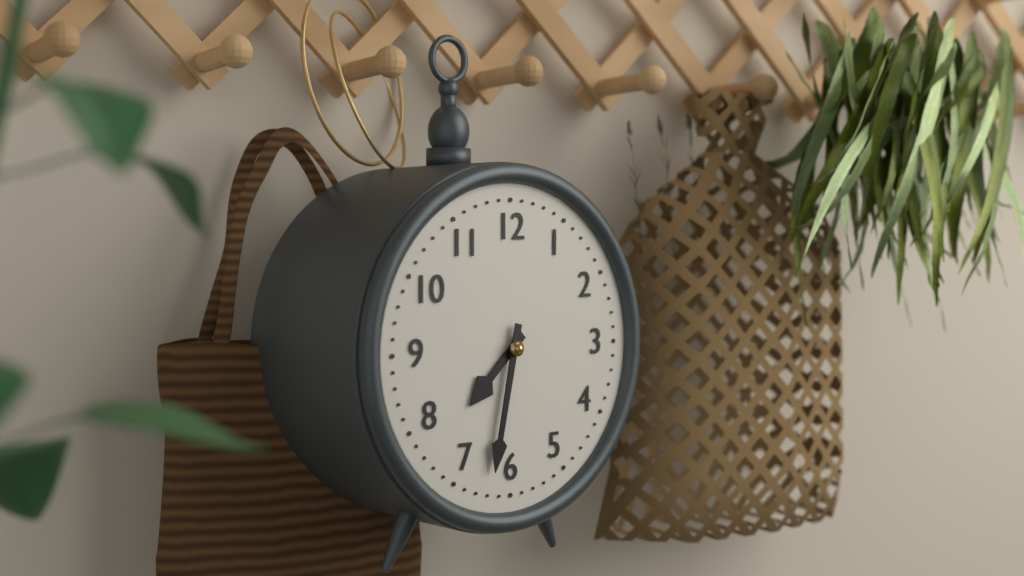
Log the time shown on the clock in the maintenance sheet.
7:32
